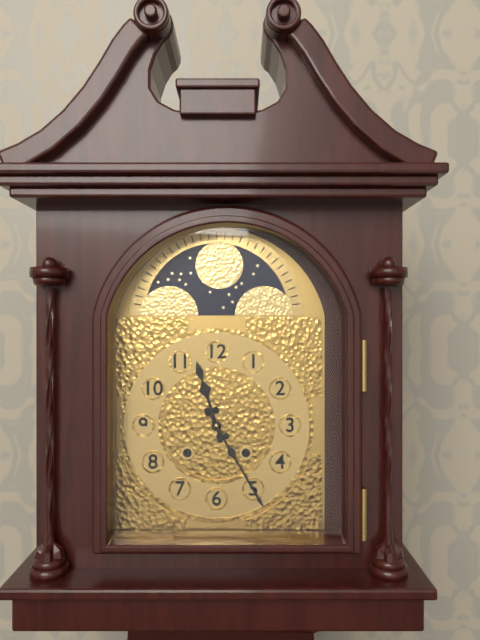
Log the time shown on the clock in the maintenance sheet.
11:25
